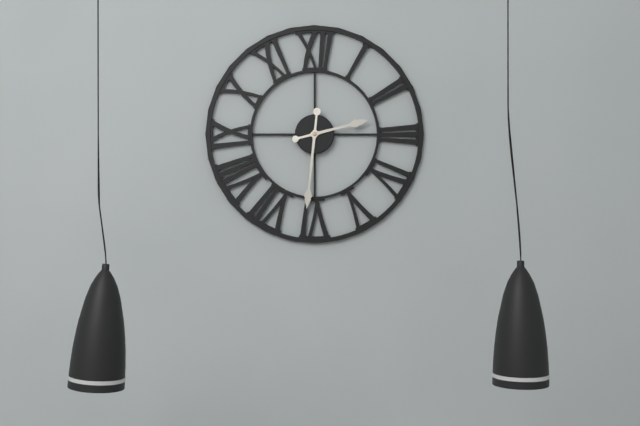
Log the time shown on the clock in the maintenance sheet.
2:31
